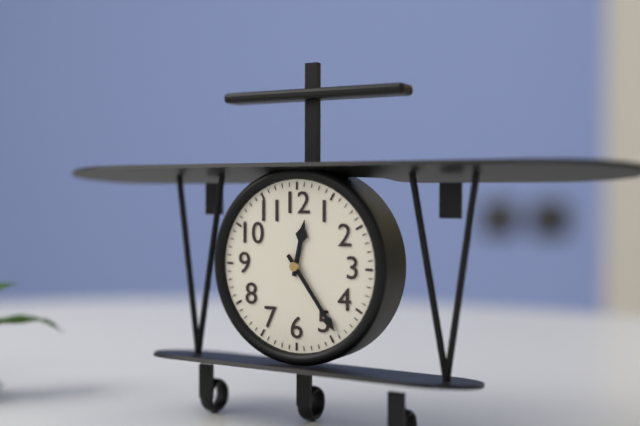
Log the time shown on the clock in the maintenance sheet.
12:24
